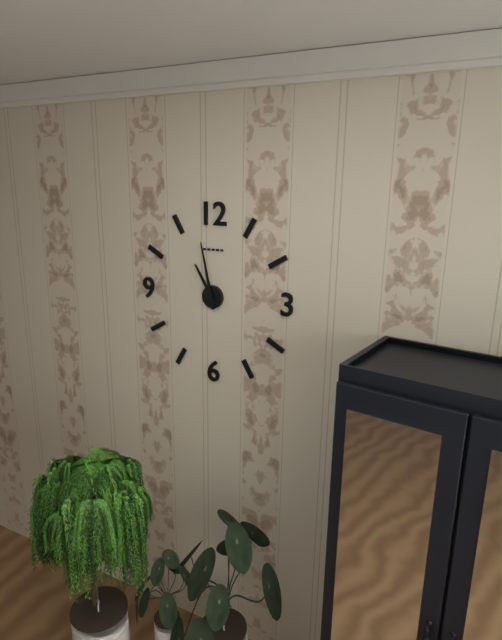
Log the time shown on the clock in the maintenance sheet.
10:58
